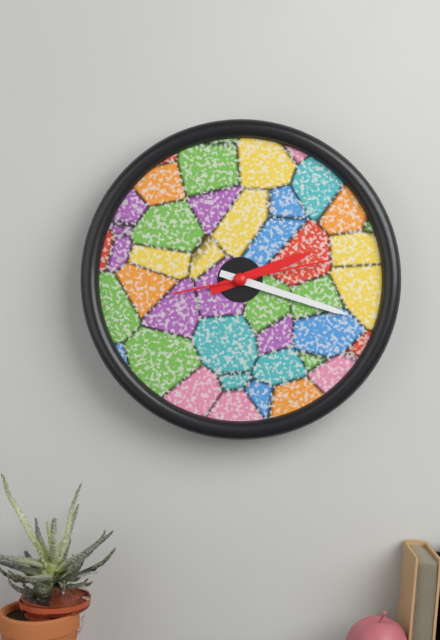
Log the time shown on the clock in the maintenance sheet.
2:18:13
